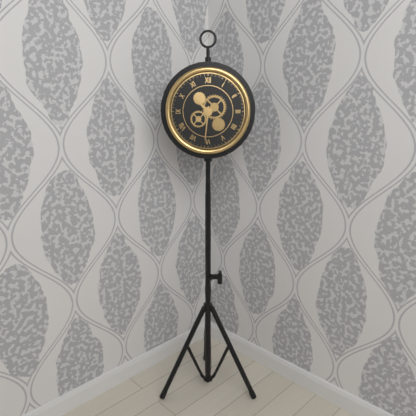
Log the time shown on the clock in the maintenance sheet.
10:31
